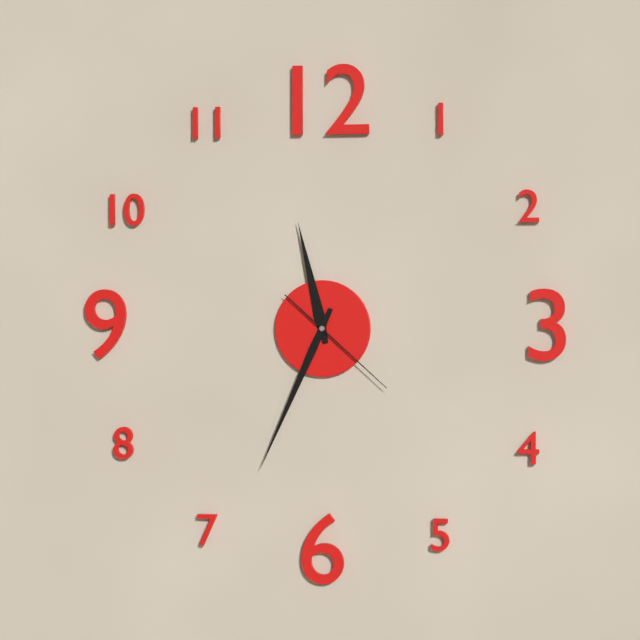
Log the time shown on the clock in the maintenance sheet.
11:34:22
